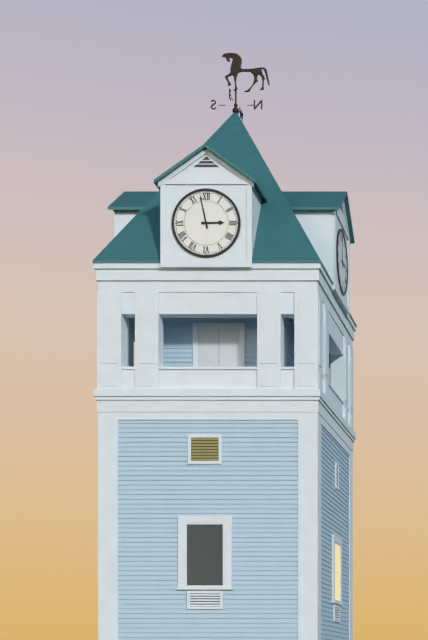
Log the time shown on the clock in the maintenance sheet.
2:58
